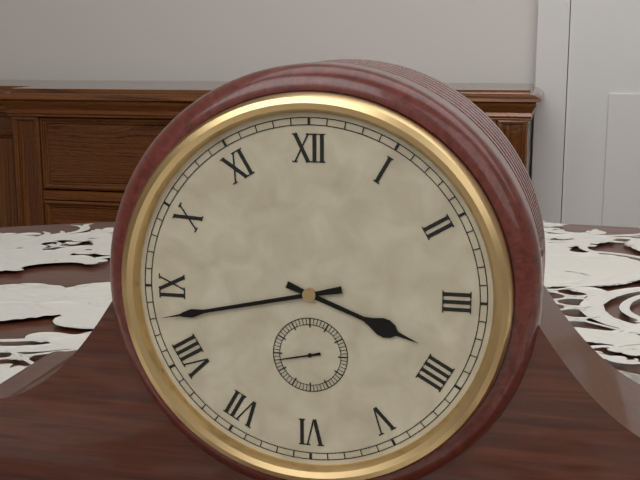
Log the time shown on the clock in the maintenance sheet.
3:43:43
